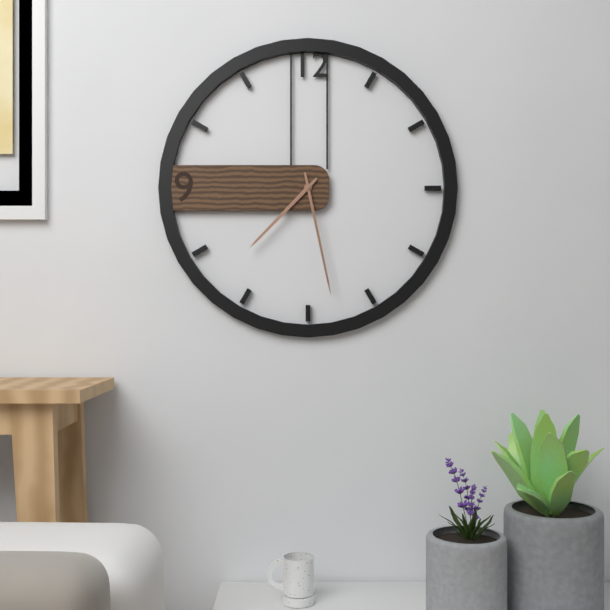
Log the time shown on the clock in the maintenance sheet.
7:28
